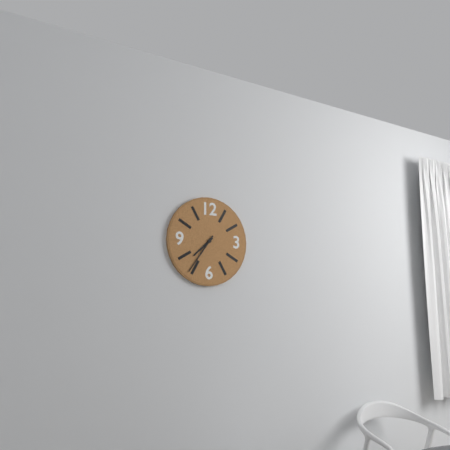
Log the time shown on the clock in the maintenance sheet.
7:36
